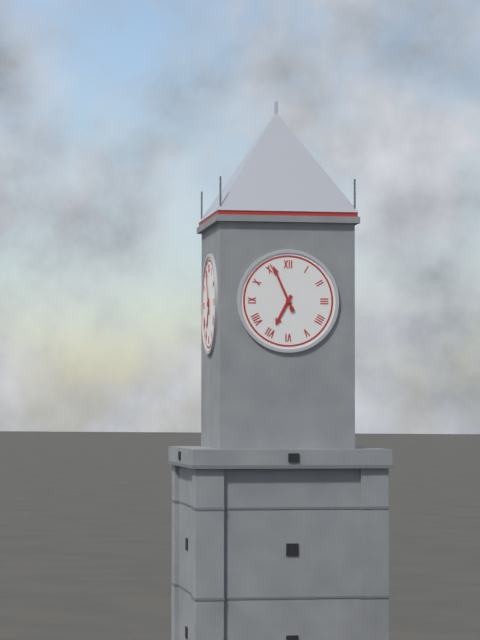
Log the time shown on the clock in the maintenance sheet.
6:56
